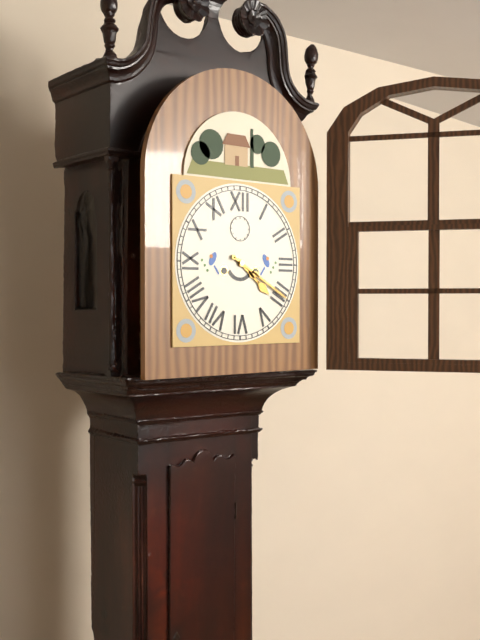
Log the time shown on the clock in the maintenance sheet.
4:20
